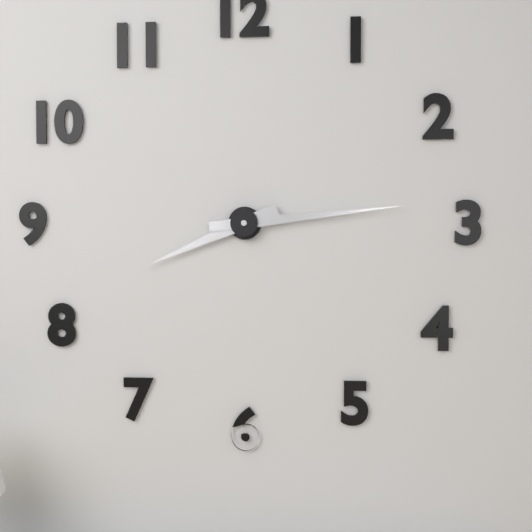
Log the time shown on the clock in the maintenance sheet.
8:14
